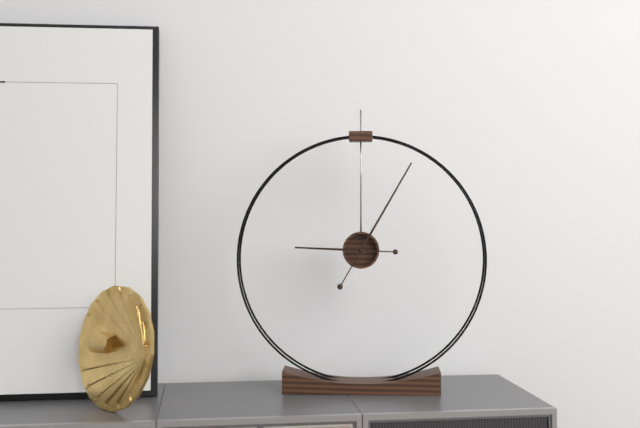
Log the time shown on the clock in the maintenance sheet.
9:05
